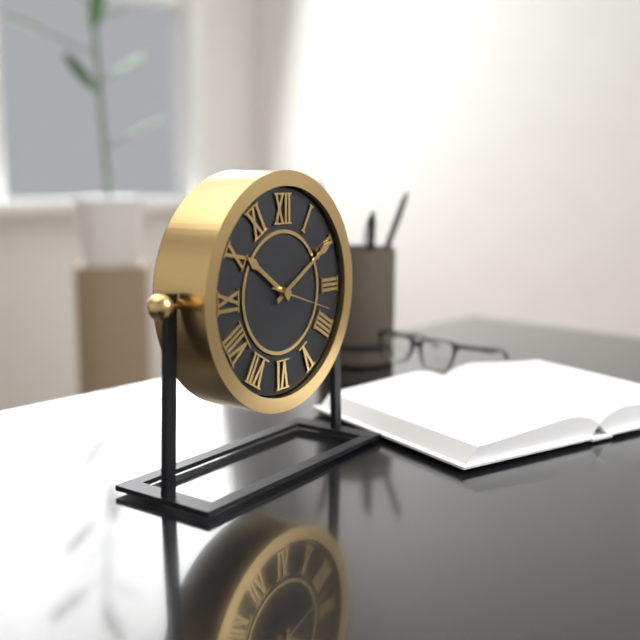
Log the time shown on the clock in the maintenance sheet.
10:10:18
